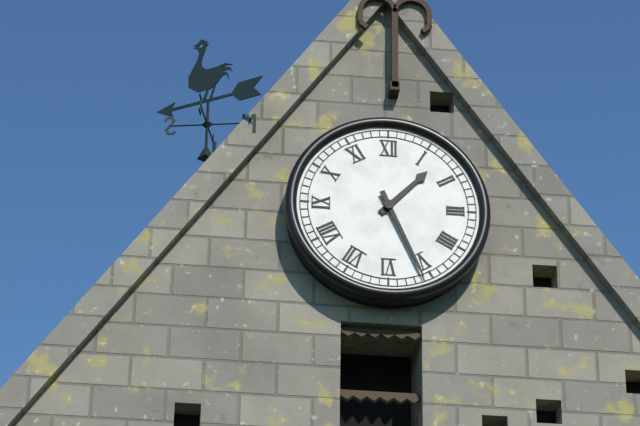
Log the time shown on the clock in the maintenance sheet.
1:26
